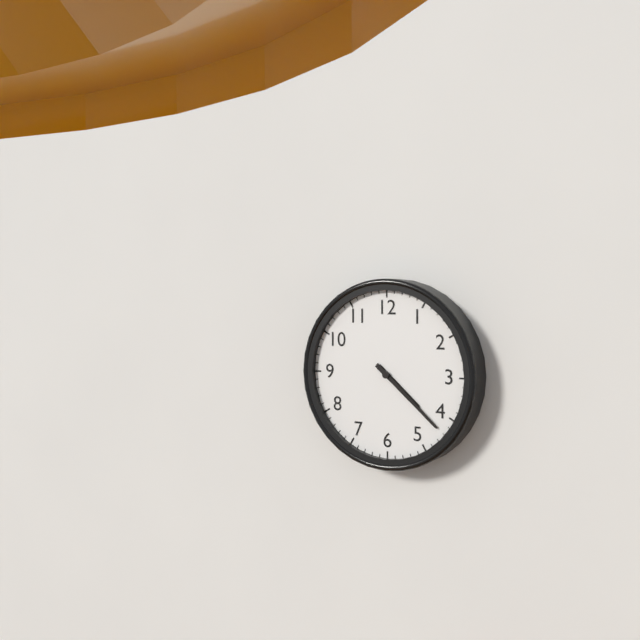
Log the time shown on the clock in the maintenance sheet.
4:22
